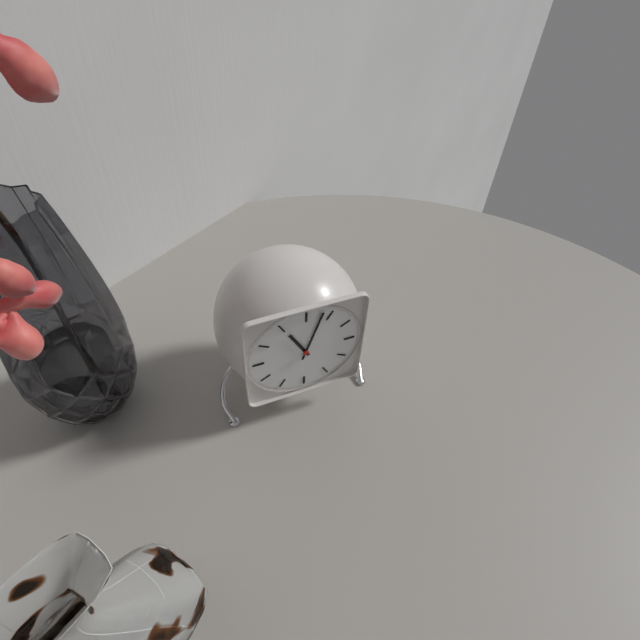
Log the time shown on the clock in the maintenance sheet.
11:03
